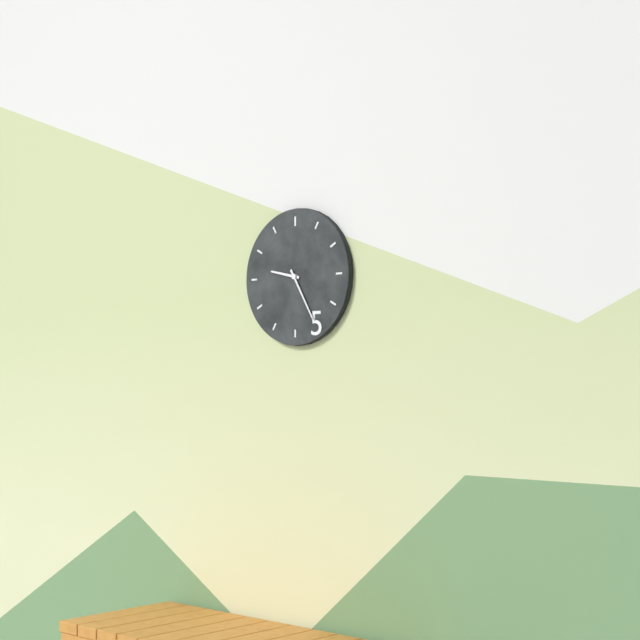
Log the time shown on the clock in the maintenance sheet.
9:25
